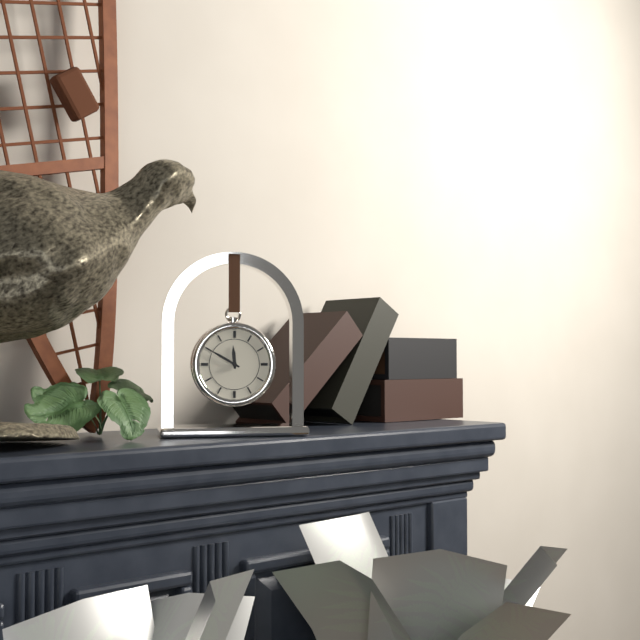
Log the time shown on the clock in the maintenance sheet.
11:50
